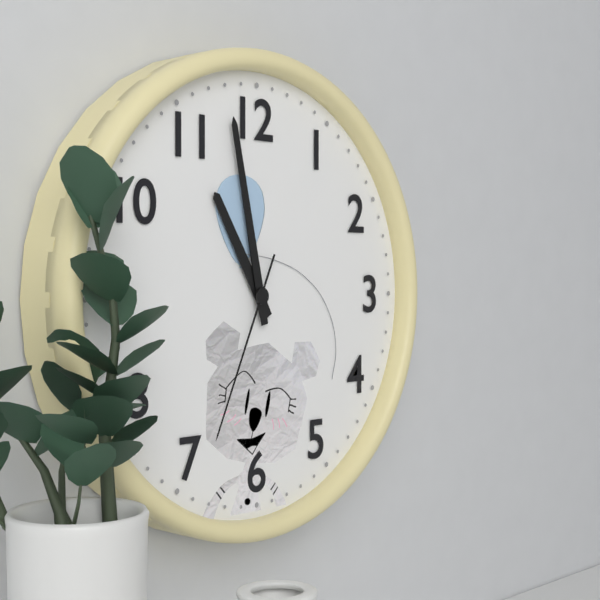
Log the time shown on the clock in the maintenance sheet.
10:58:34
